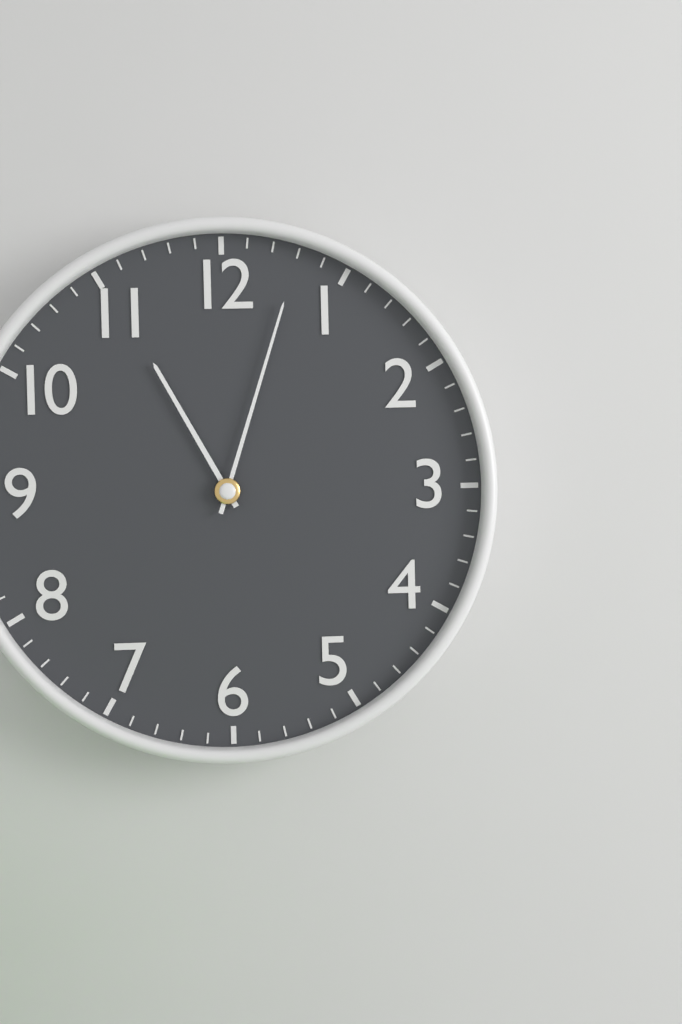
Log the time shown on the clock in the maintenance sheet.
11:03
